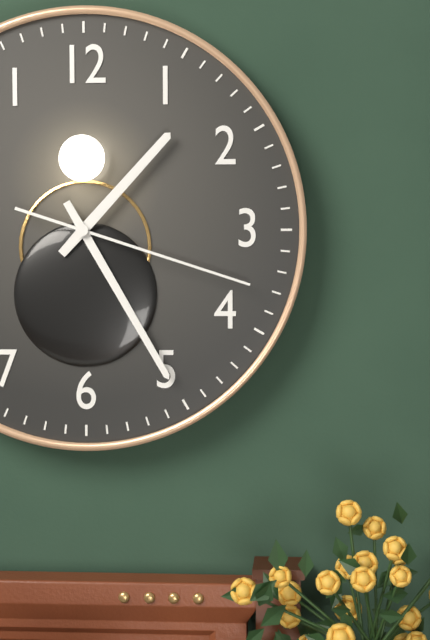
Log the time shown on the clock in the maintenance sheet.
1:25:18
